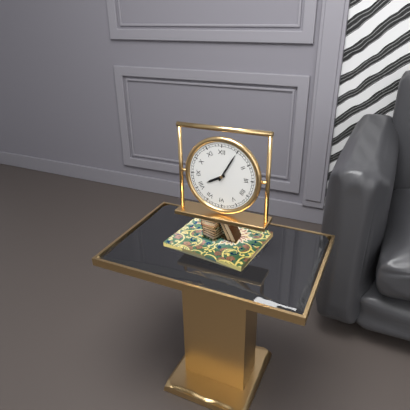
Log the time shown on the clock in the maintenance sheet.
8:05
